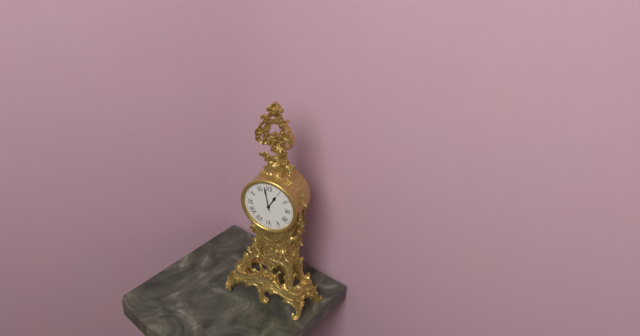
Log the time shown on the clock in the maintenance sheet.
12:58
